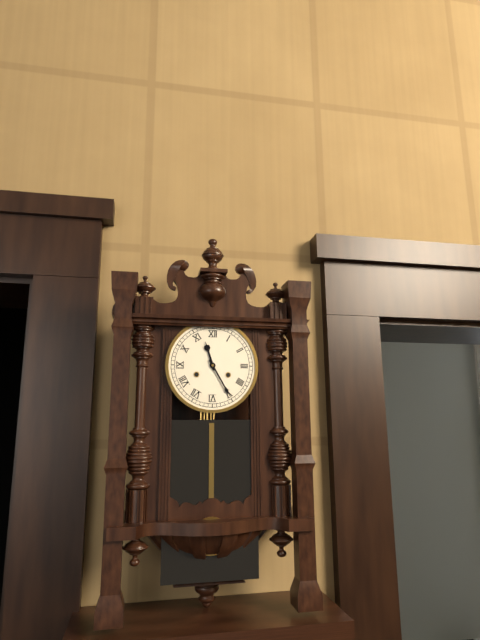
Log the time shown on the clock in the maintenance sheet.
11:25
